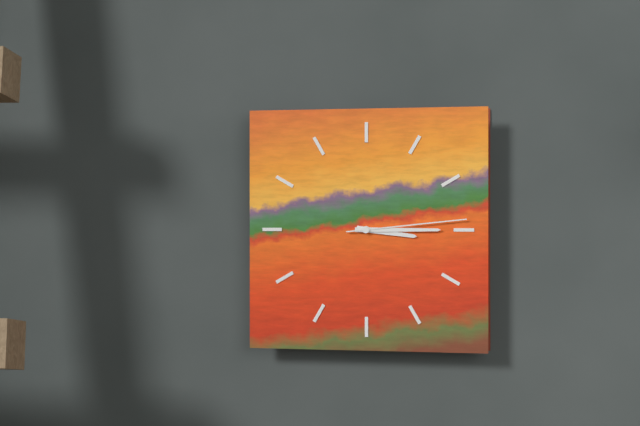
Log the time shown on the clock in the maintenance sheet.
3:15:14
